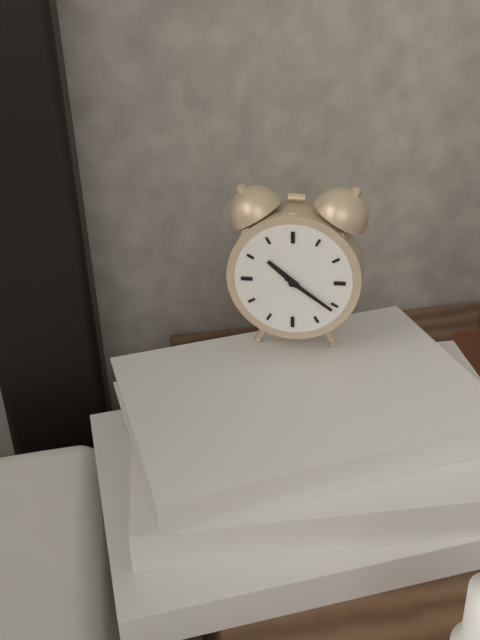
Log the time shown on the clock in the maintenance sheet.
10:21
